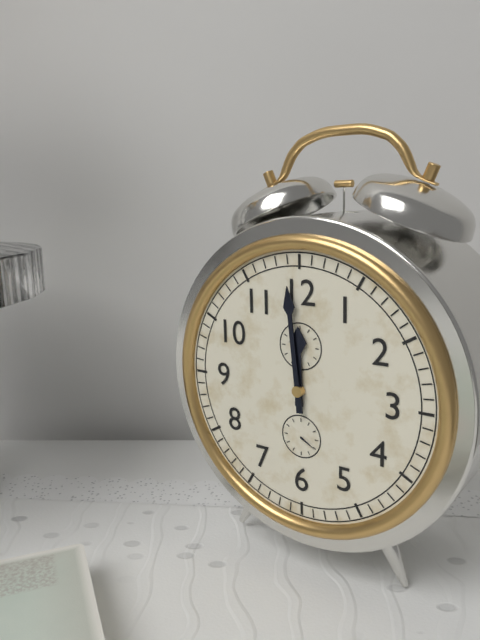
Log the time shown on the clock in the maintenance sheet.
11:59
